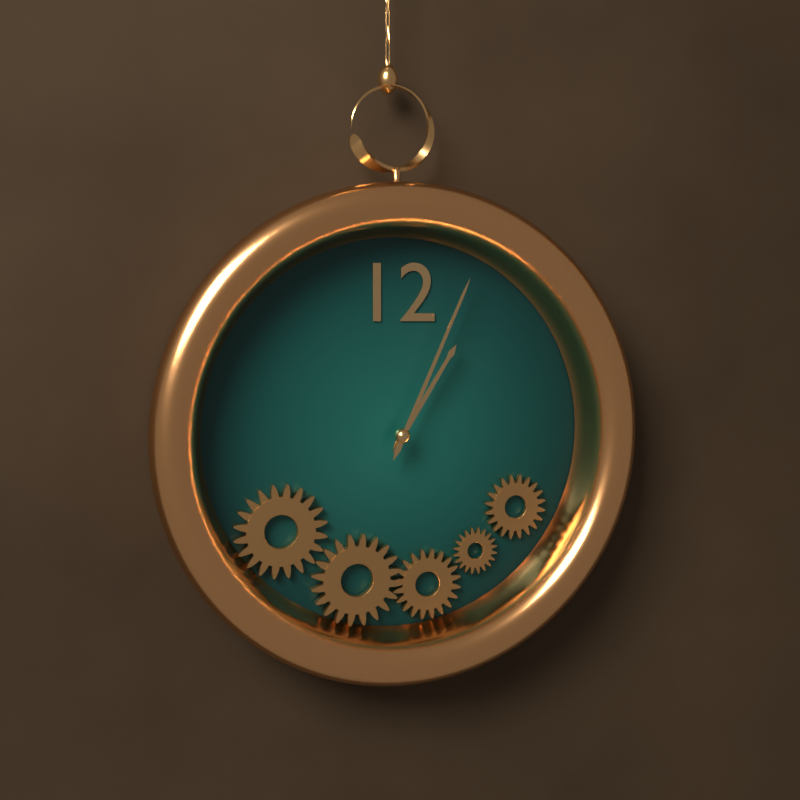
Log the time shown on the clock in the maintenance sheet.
1:04
